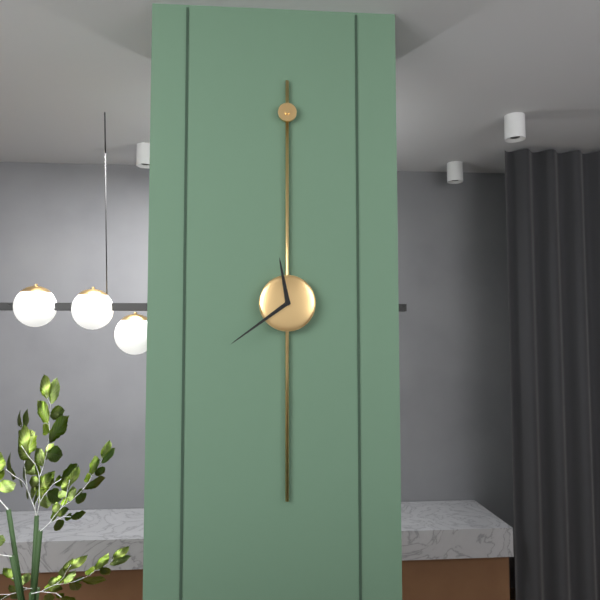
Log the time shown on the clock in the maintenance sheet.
11:39
